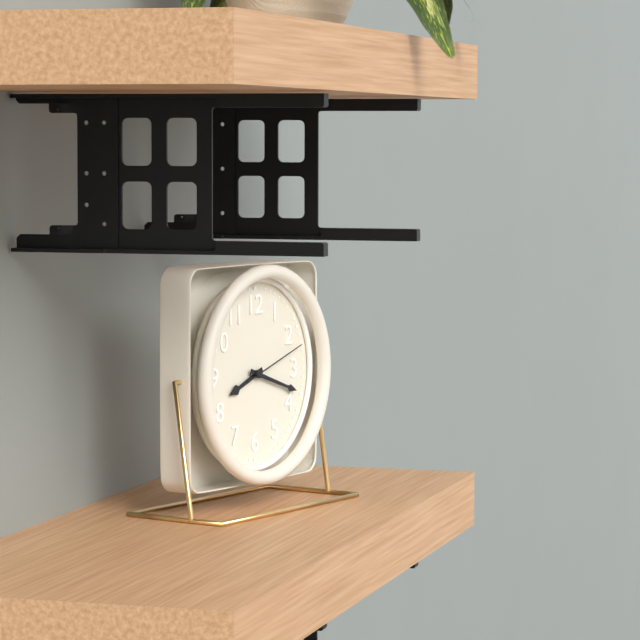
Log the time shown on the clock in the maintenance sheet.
8:18:12
